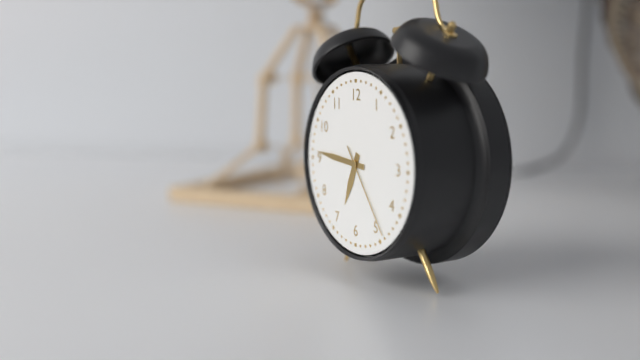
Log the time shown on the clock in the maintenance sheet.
6:46:24
